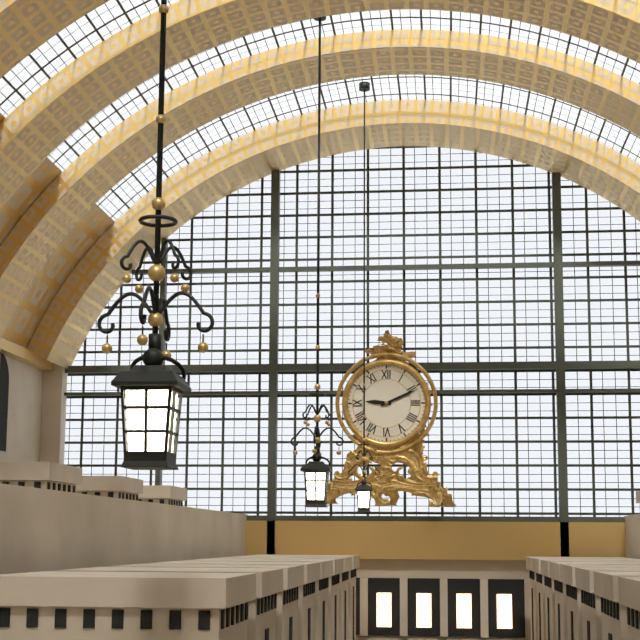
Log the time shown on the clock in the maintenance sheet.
9:11
